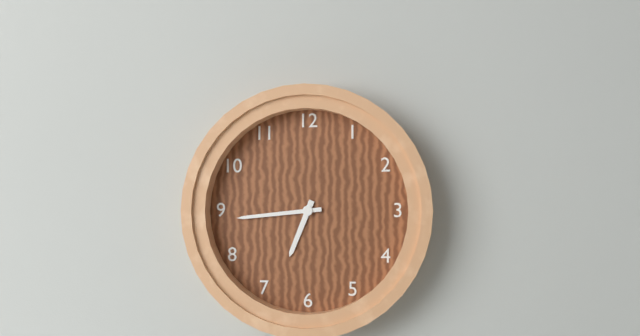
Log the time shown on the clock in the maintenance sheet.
6:44
